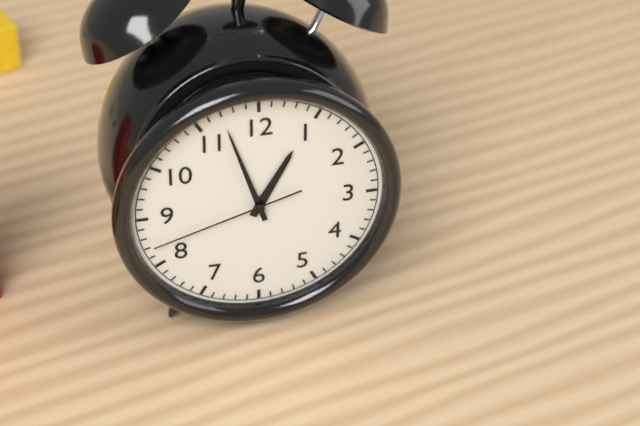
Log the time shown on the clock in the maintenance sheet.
12:57:42
